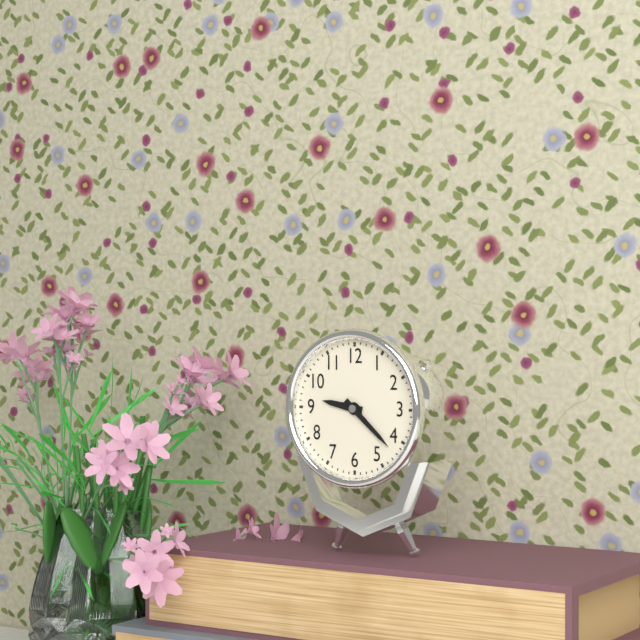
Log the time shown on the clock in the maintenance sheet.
9:22
